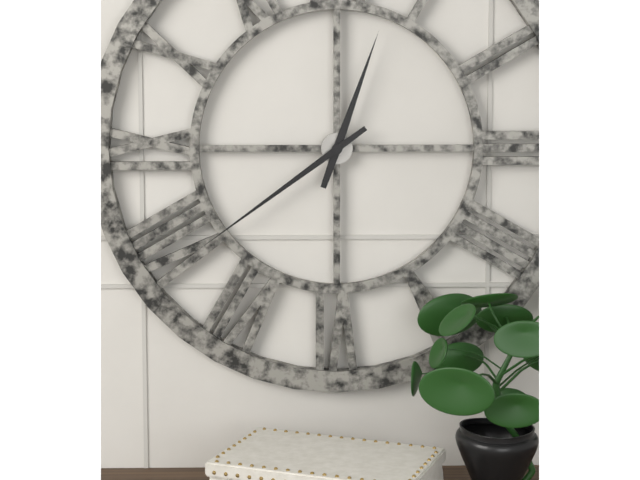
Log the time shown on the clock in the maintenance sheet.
12:39
